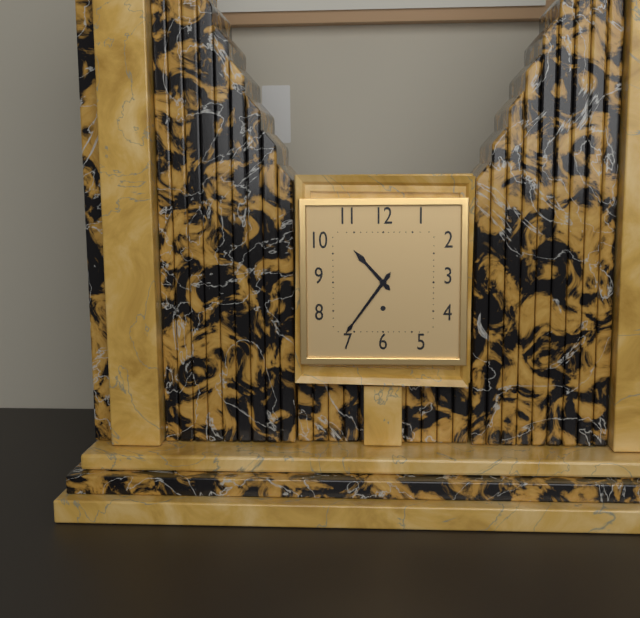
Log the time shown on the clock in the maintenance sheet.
10:36
